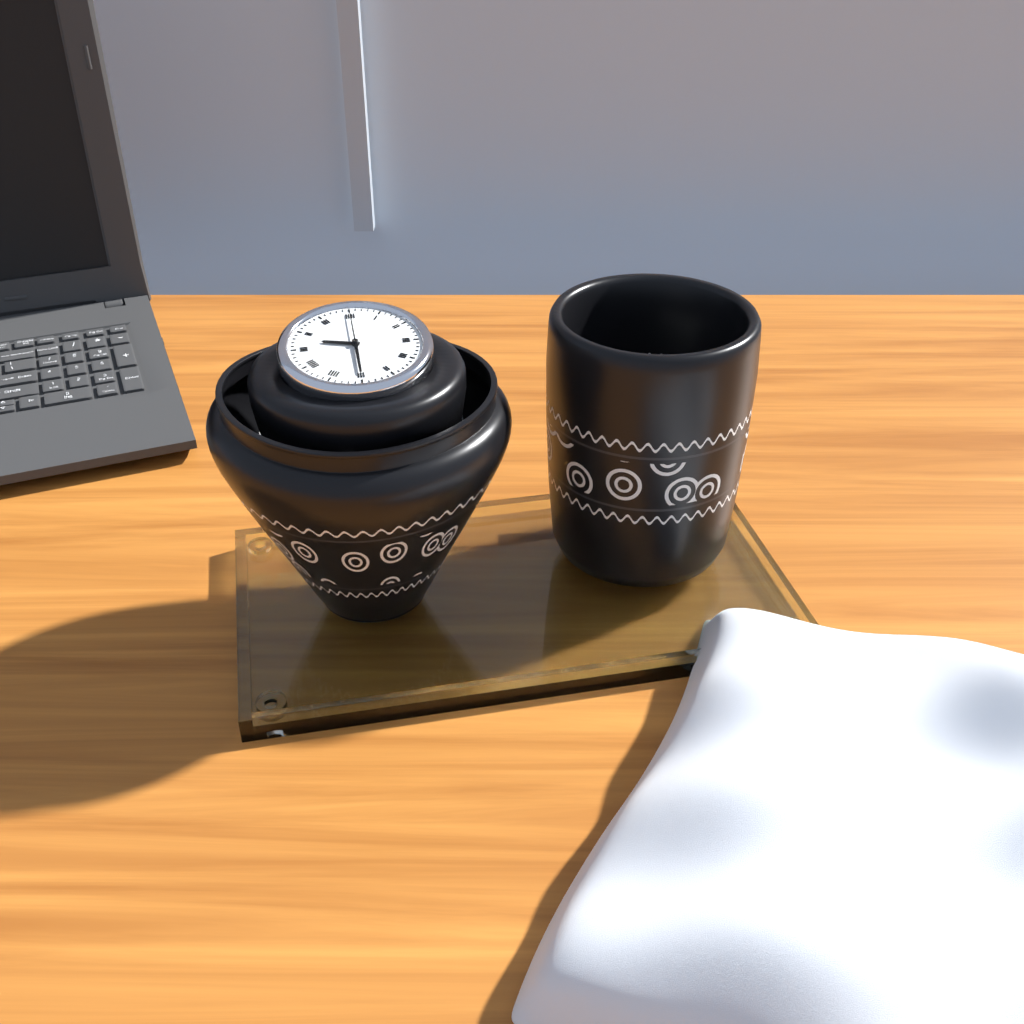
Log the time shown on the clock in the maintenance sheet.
9:30
